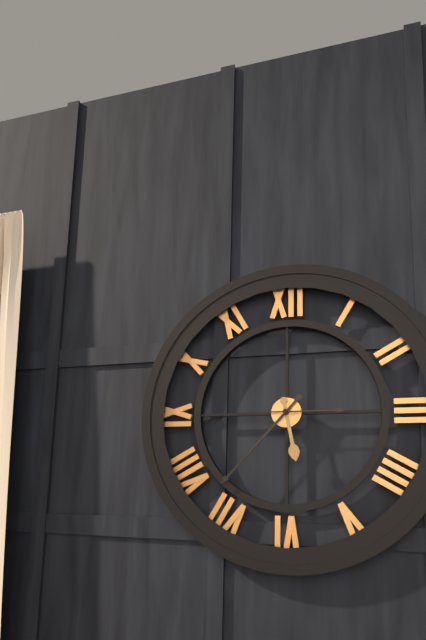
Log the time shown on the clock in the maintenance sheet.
5:37:15
